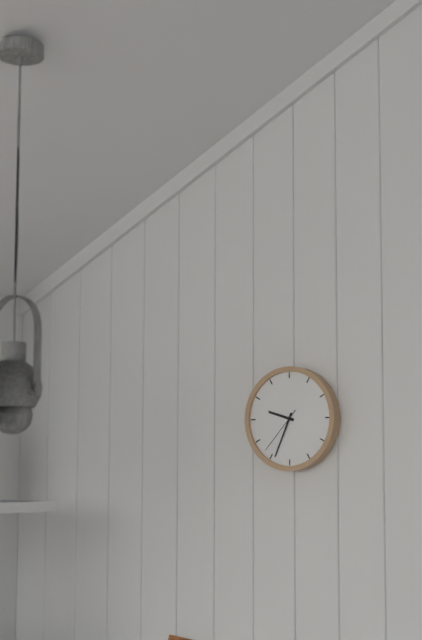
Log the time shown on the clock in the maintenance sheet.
9:34:37
